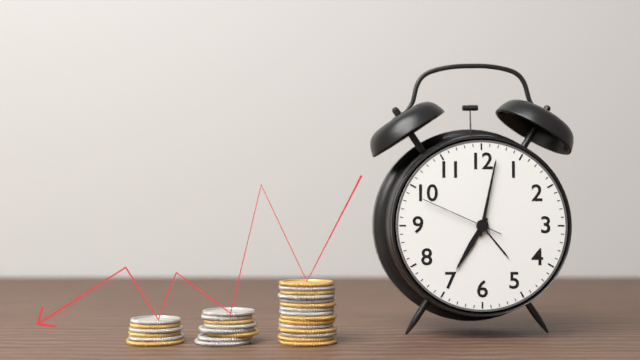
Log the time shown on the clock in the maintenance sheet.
7:02:49
